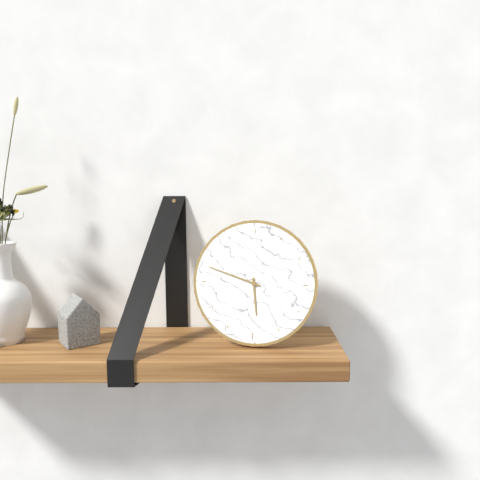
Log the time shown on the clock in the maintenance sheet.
5:48
